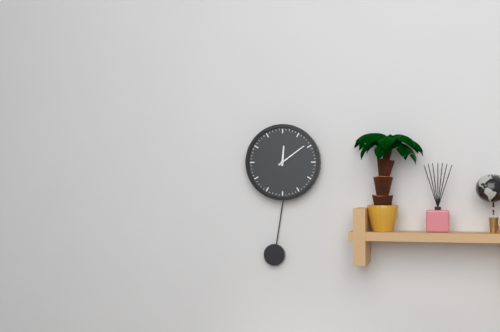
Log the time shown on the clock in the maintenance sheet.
12:09
